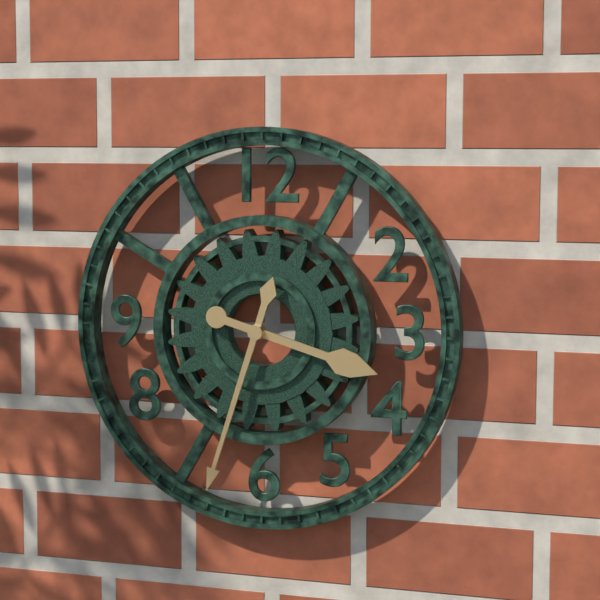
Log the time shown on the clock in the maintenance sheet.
3:33
